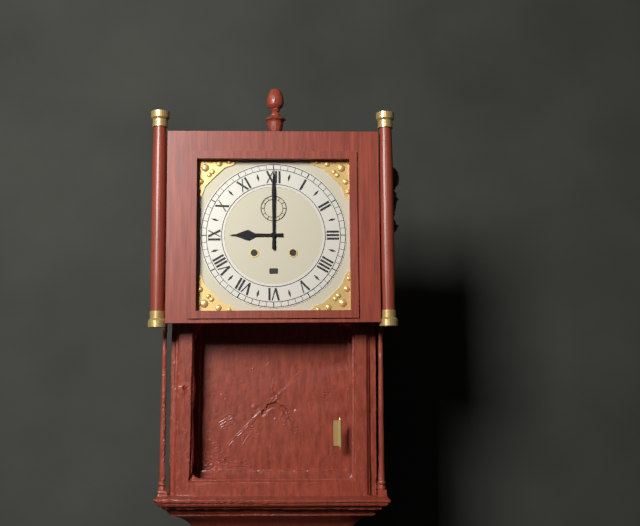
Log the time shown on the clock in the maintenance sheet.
9:00
